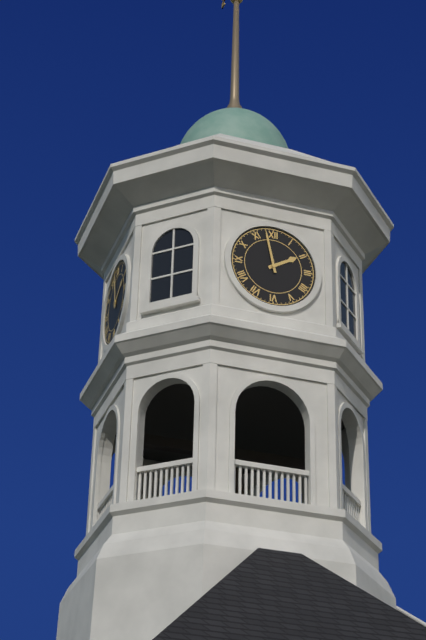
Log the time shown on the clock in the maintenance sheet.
1:58
